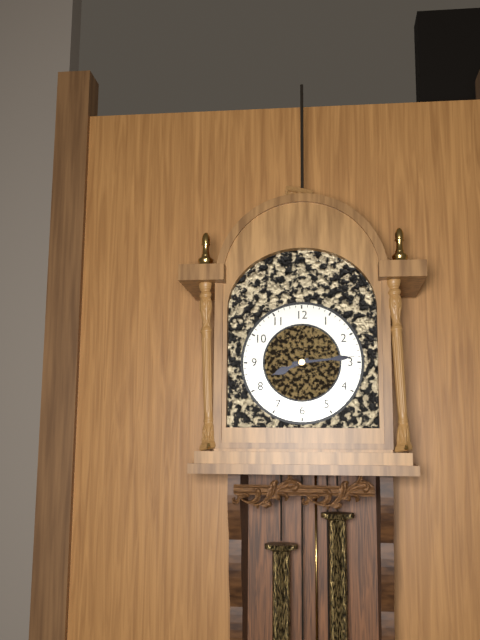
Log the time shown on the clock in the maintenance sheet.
8:14
